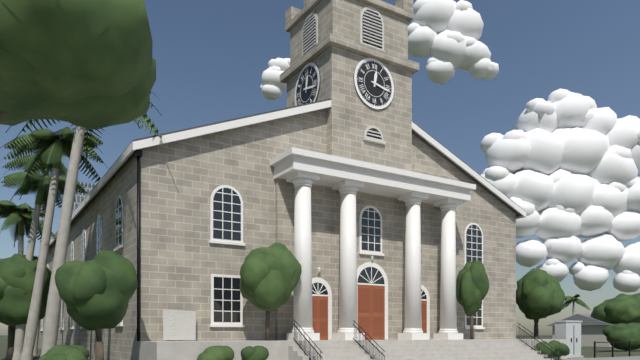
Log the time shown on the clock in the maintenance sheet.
12:17
